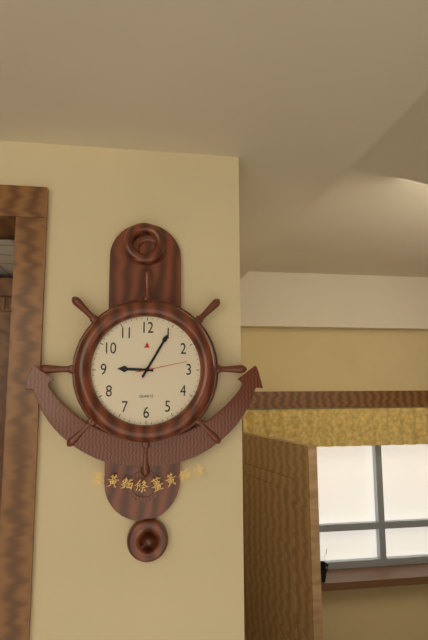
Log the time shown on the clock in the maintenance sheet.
9:05:13
